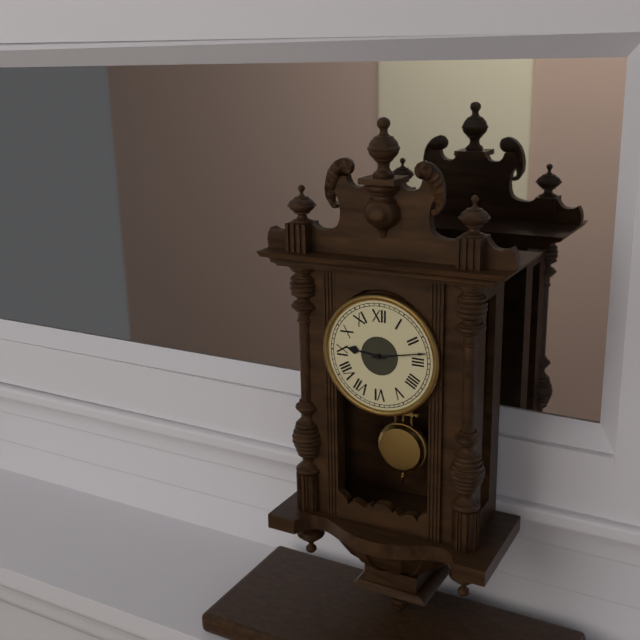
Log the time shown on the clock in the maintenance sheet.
9:13
